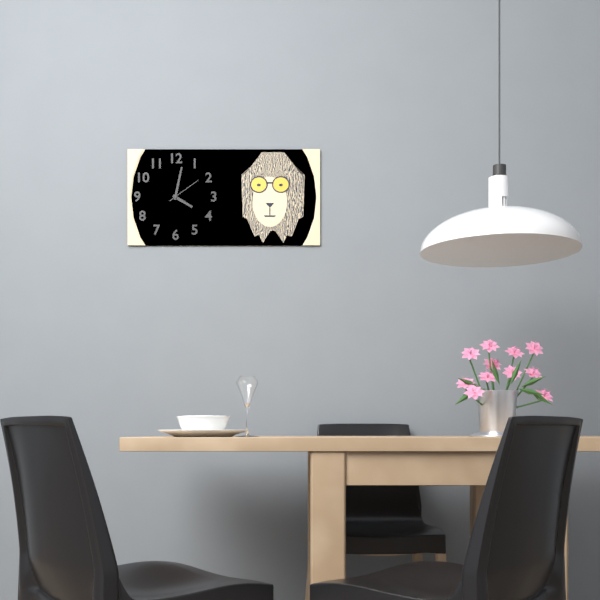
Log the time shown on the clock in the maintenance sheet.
4:02
